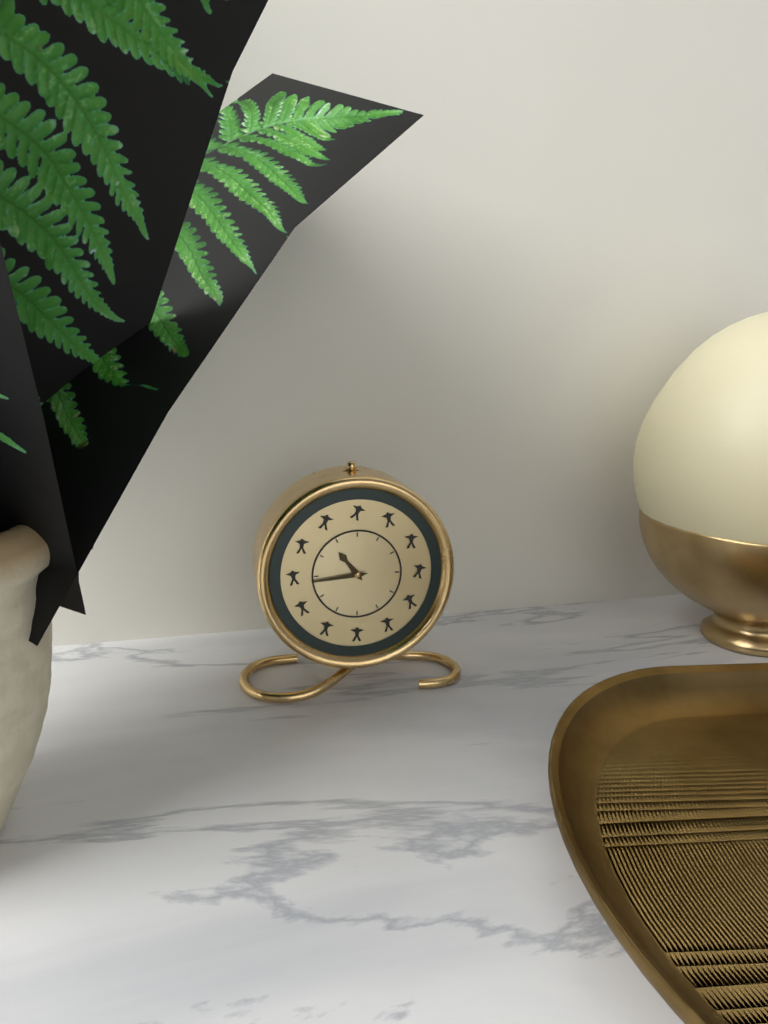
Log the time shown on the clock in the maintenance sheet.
10:44
